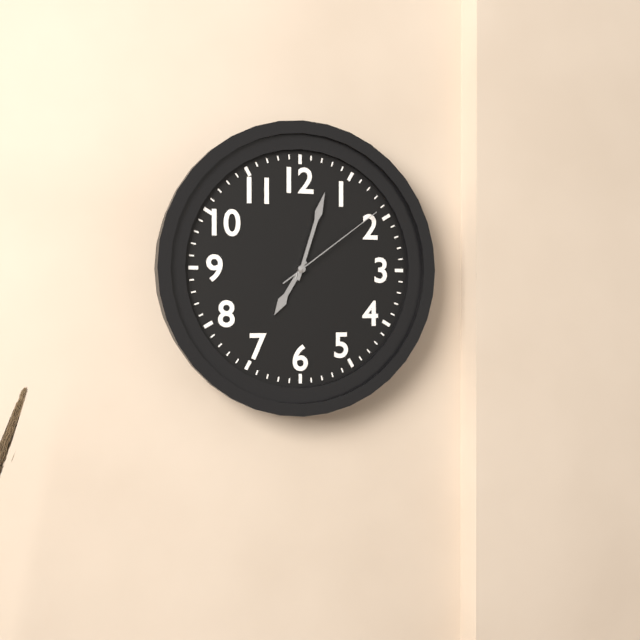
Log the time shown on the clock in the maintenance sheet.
7:03:09
